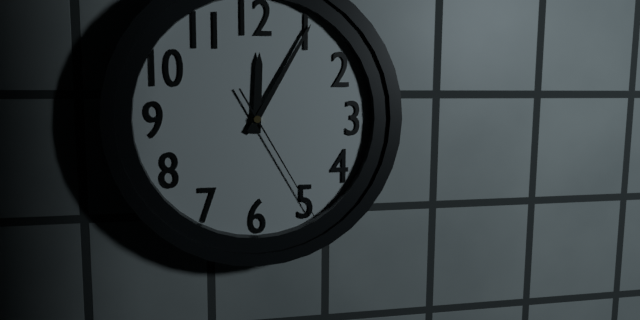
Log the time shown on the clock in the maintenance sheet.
12:05:25
